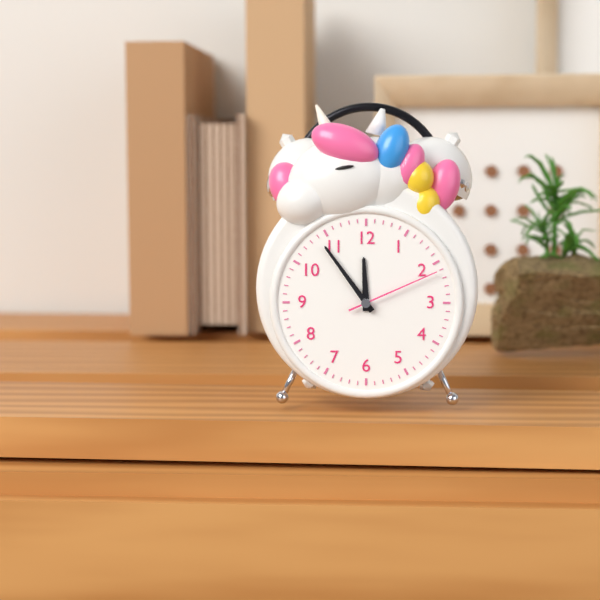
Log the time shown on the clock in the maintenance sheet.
11:54:11
